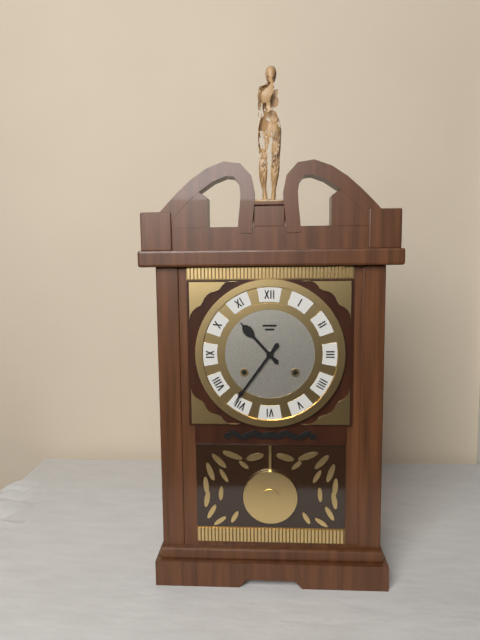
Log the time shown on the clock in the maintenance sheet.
10:36
